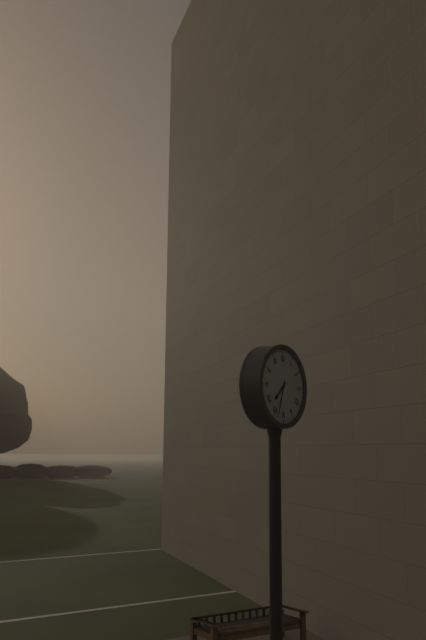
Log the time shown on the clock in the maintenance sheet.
7:33
